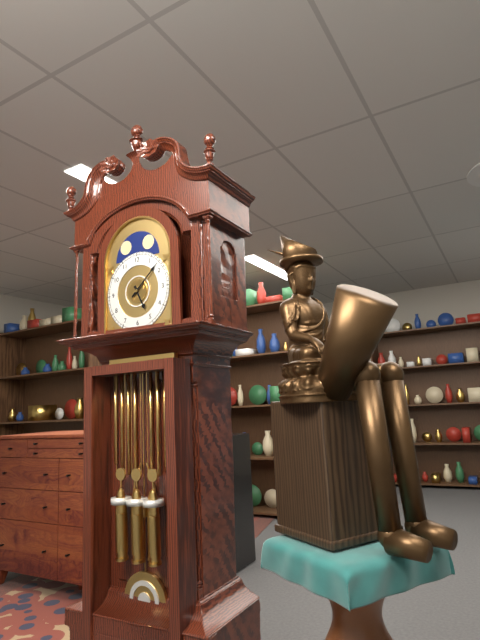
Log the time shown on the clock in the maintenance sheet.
5:08
